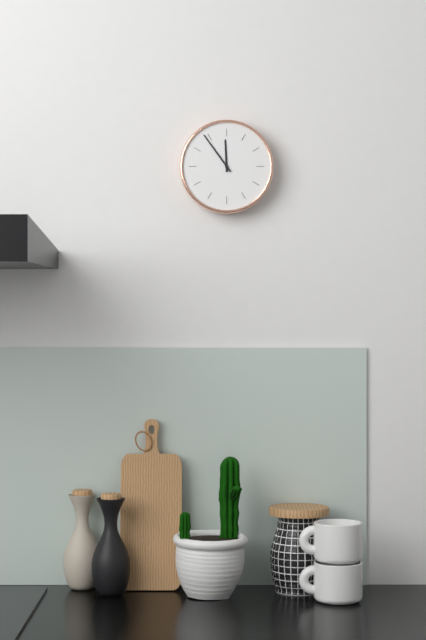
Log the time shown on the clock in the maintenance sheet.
11:54
